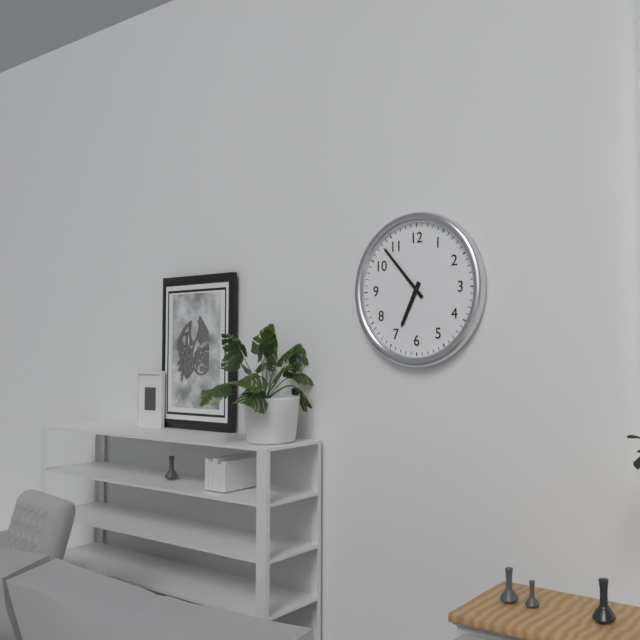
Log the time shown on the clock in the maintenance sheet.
6:53
